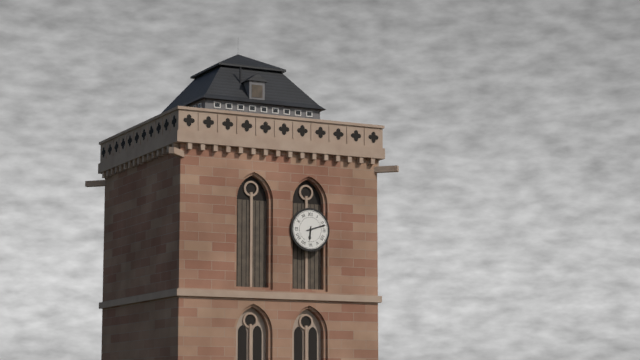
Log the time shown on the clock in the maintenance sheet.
6:12
